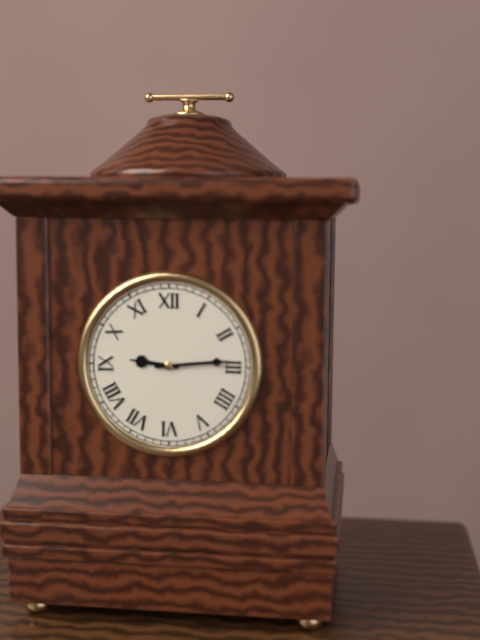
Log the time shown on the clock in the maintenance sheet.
9:14
